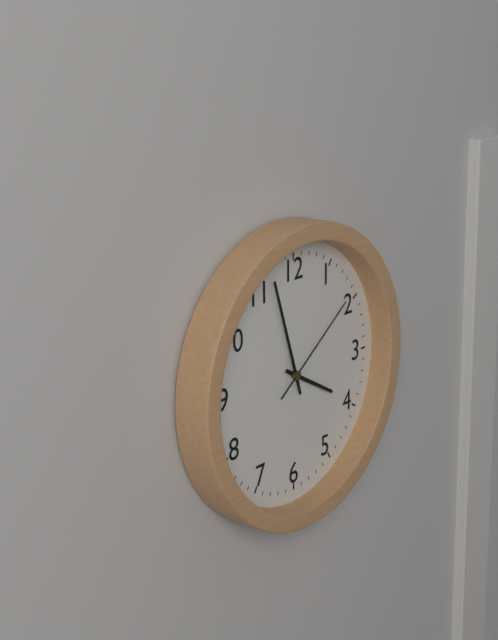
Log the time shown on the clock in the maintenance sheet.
3:57:09
